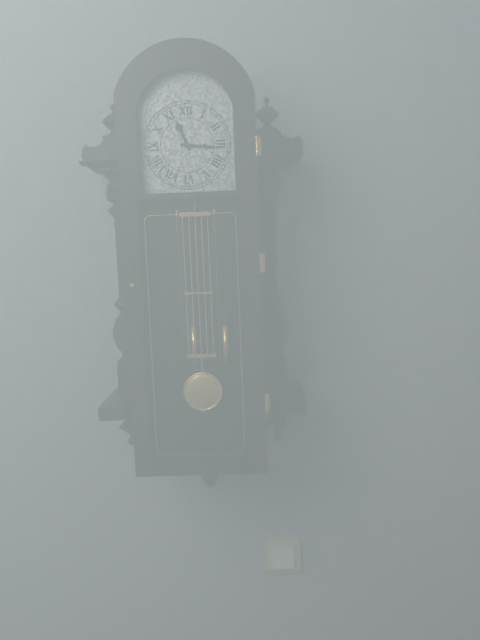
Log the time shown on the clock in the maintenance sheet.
11:16
